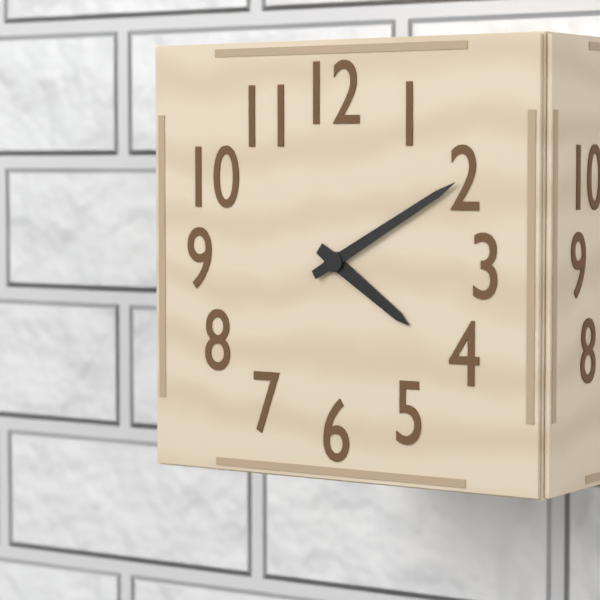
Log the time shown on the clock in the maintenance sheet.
4:10
